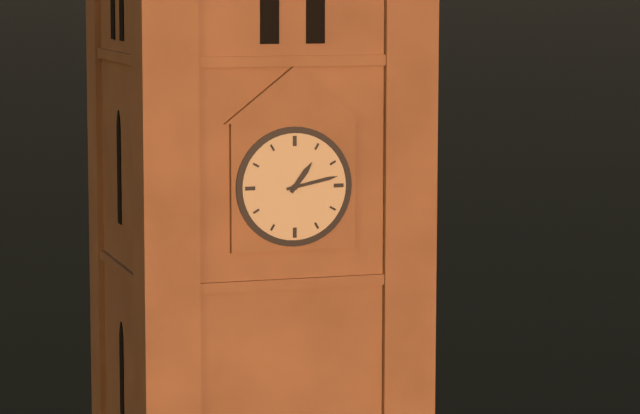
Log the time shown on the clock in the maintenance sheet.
1:13
